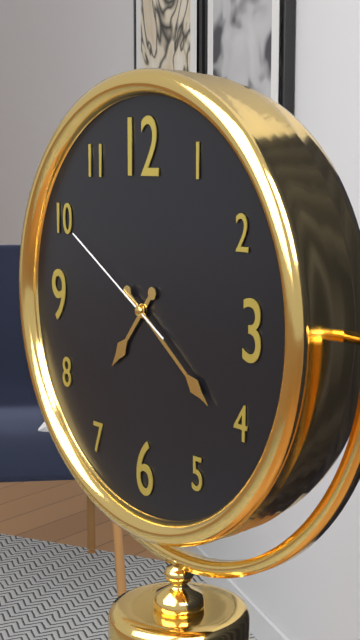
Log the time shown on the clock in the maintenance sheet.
7:21:50
